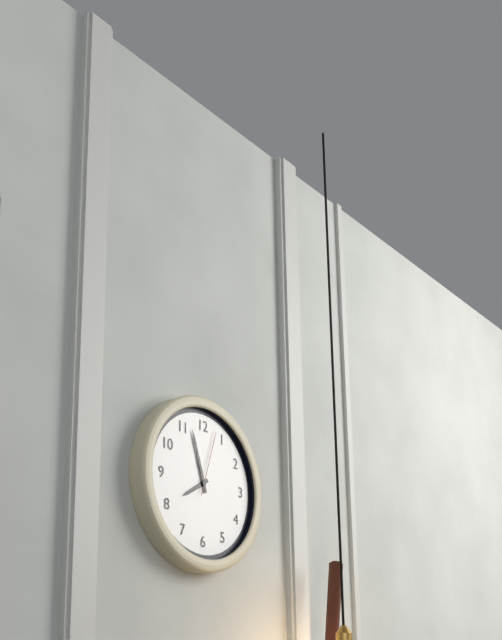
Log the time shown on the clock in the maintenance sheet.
7:57:03
